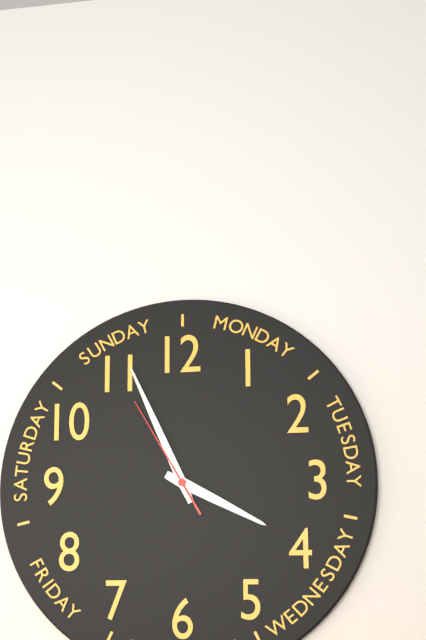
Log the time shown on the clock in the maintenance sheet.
3:56:55
